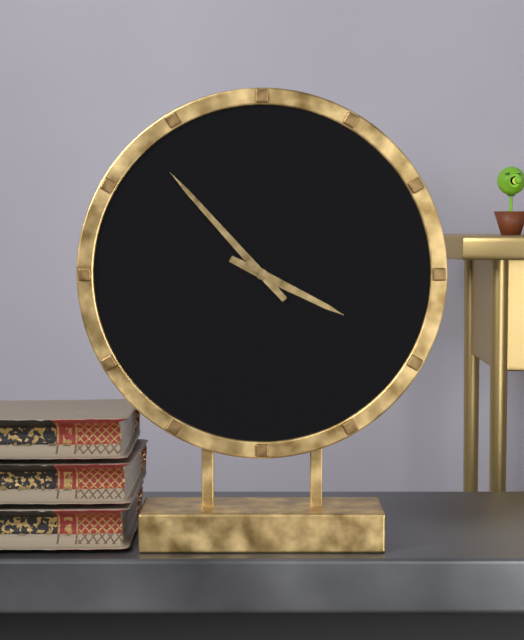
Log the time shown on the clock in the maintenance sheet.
3:53
